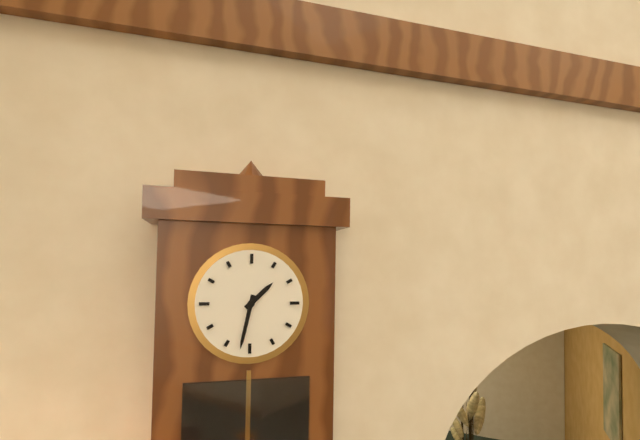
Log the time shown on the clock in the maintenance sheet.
1:32
